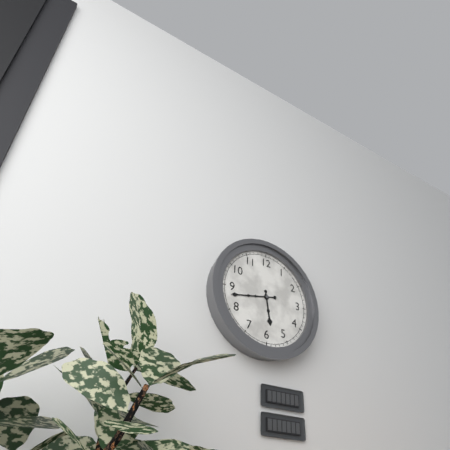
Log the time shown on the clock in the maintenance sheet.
5:43
